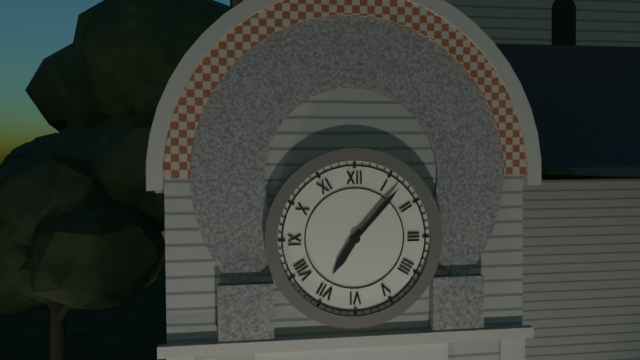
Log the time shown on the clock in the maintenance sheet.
7:07
